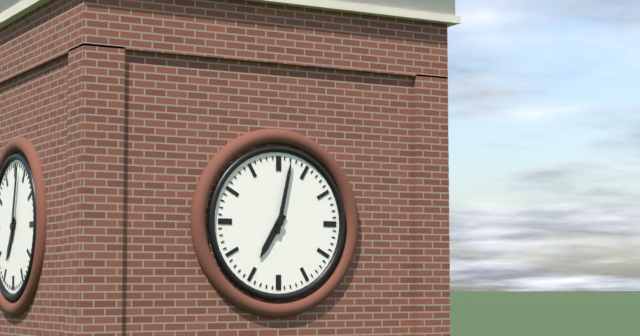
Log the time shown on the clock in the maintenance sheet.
7:02
